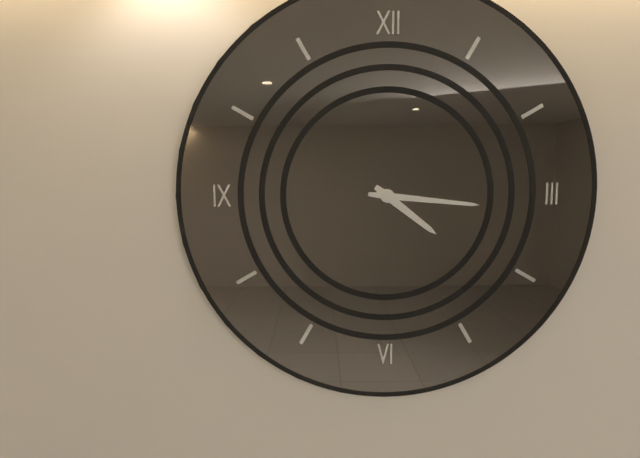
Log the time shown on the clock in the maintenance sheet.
4:16
